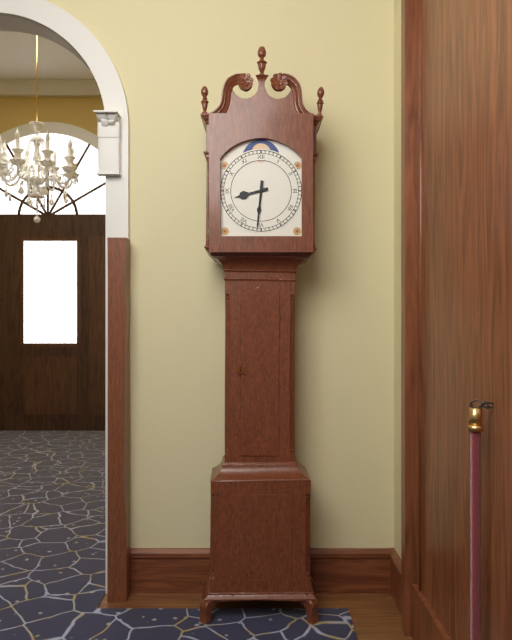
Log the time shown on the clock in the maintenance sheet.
8:31
